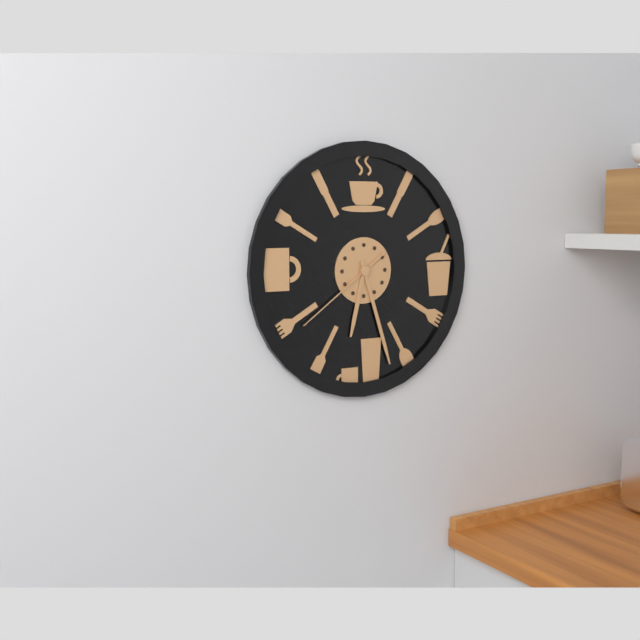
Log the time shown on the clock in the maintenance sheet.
6:27:39
